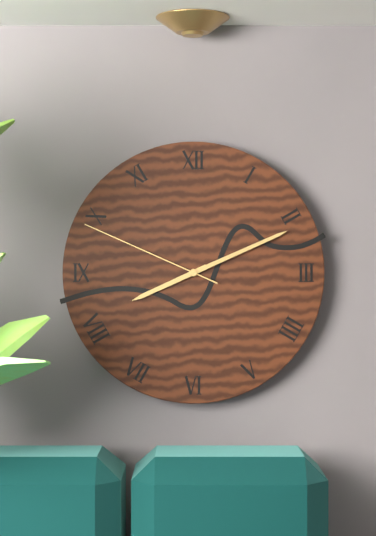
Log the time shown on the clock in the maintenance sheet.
8:11:49
